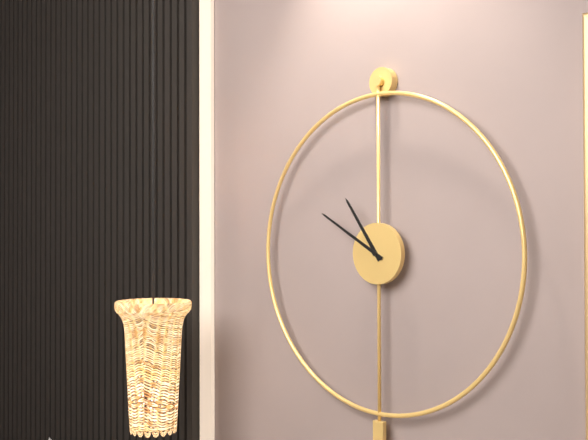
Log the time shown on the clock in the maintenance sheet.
10:50
